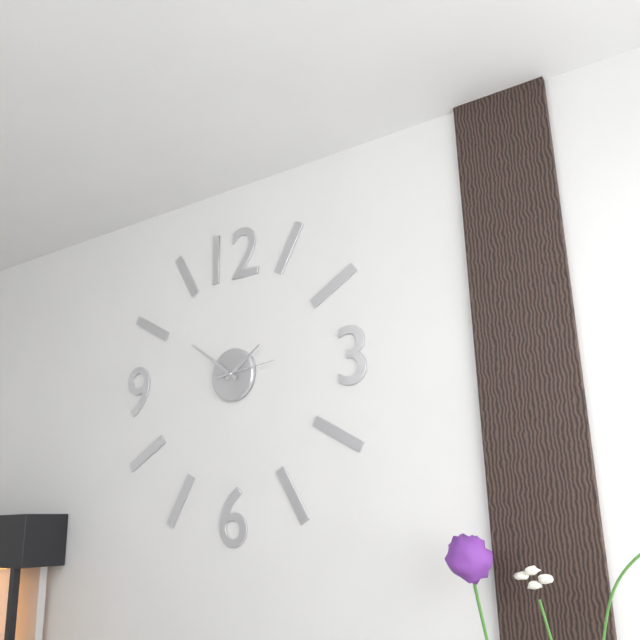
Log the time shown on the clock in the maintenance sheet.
1:51:14
